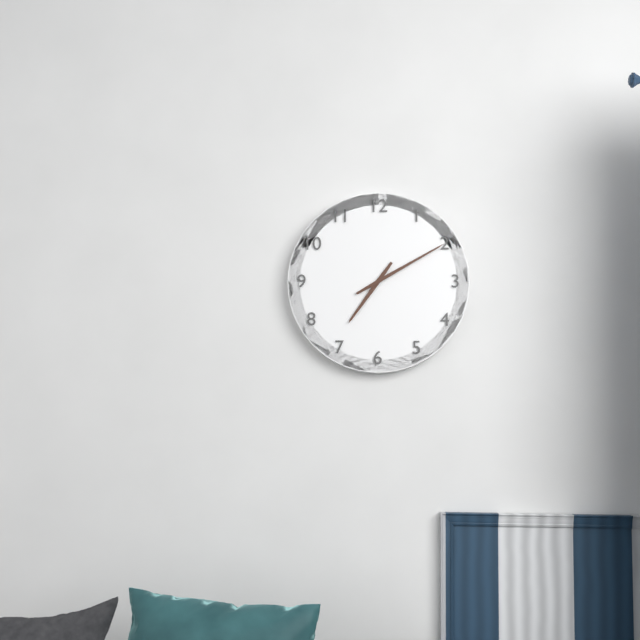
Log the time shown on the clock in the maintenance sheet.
7:10
